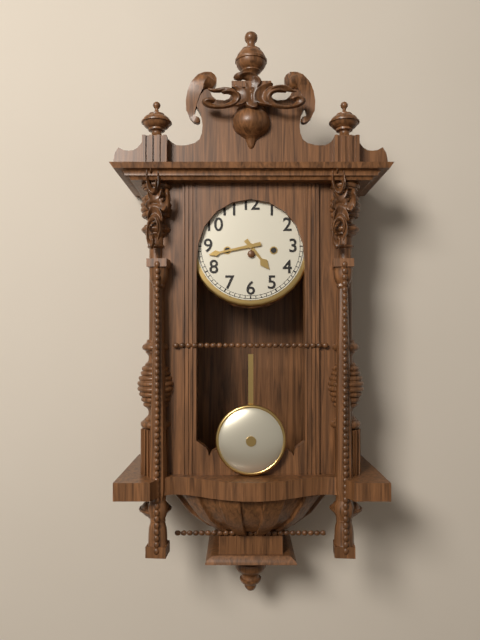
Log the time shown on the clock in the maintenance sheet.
4:43
